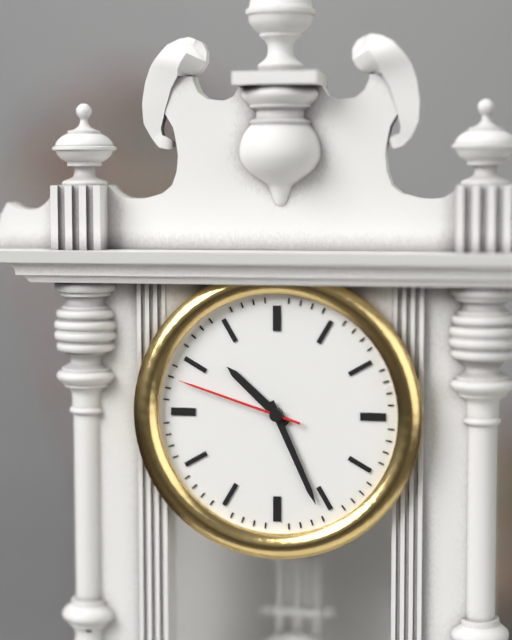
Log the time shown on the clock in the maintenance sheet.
10:26:48
